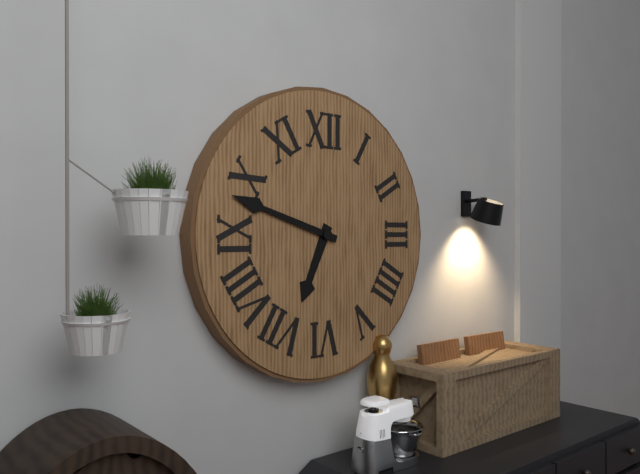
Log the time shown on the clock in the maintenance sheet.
6:48
